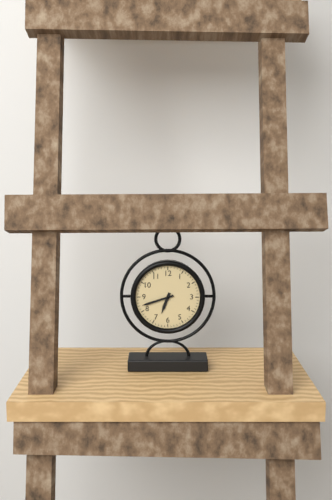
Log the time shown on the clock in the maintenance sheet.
6:42
